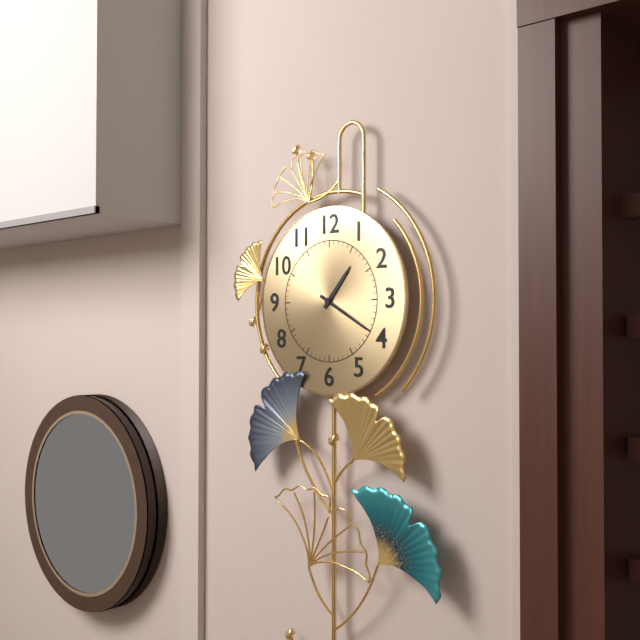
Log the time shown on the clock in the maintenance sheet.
1:20
